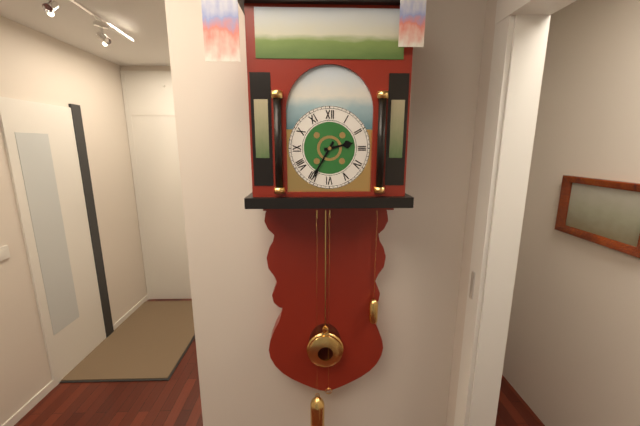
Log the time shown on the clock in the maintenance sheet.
2:35
